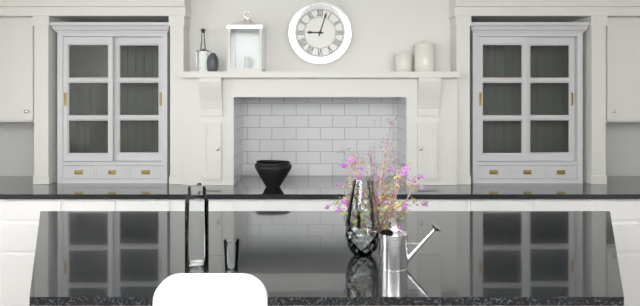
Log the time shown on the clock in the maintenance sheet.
9:03
